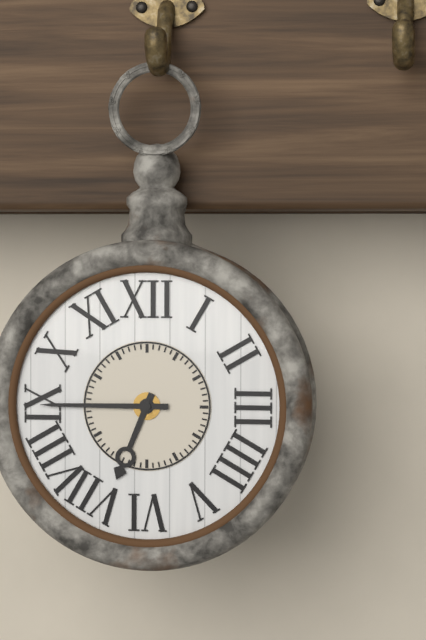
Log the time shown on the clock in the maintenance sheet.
6:45
